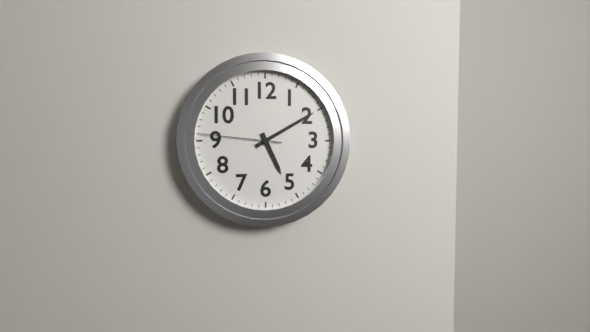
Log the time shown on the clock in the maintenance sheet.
5:10:46
